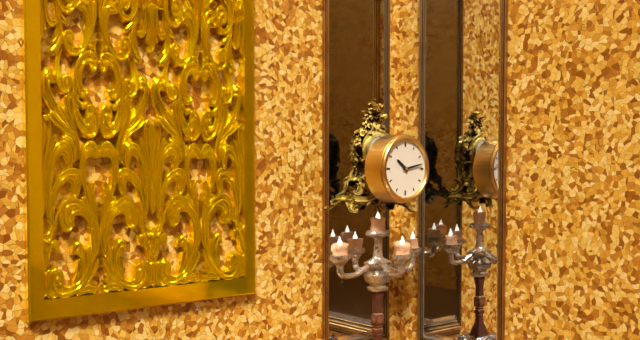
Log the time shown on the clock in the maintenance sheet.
10:13
